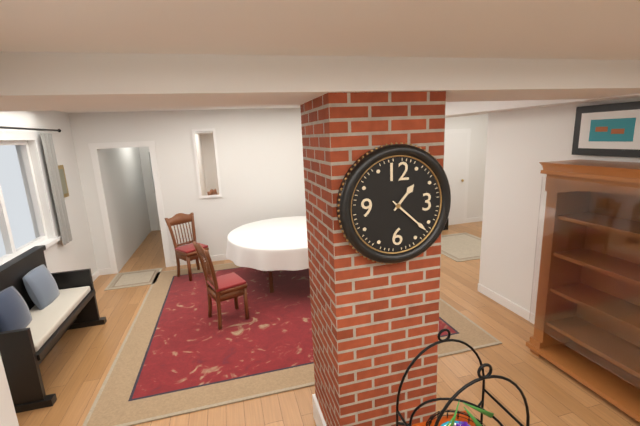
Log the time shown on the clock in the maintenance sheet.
1:22
